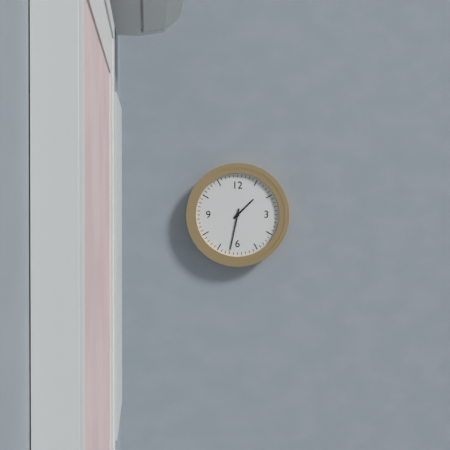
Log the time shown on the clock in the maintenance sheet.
1:32
